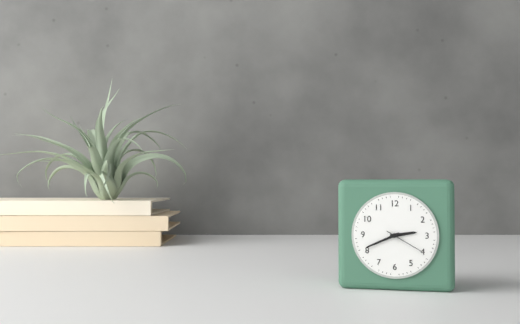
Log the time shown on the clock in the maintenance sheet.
2:41
